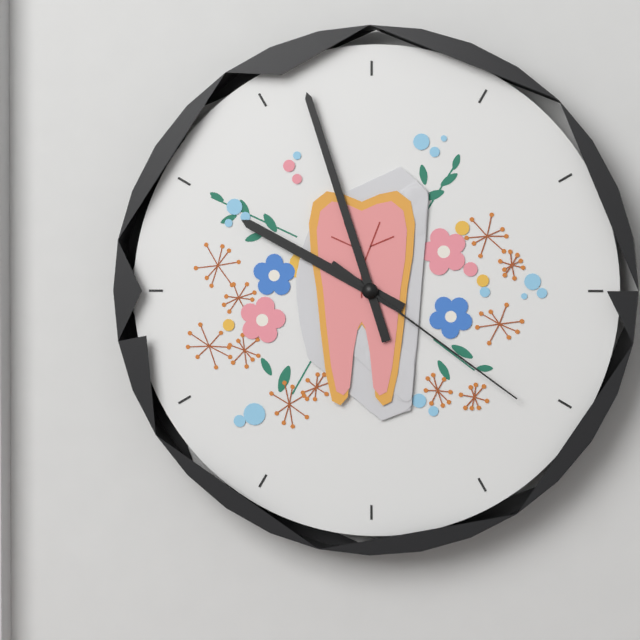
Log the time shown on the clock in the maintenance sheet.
9:57:21
